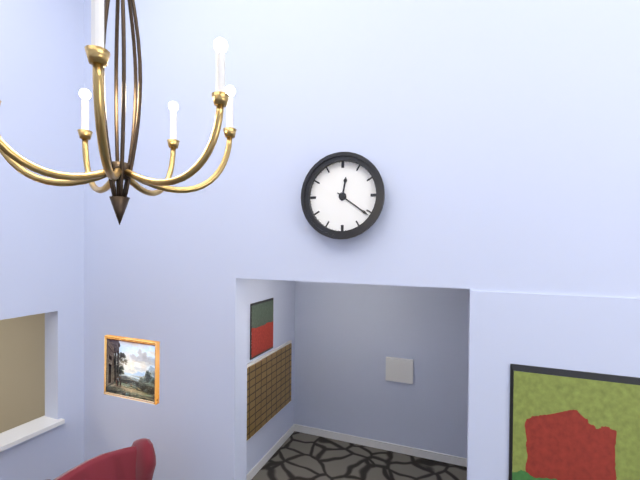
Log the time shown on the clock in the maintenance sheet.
12:21
